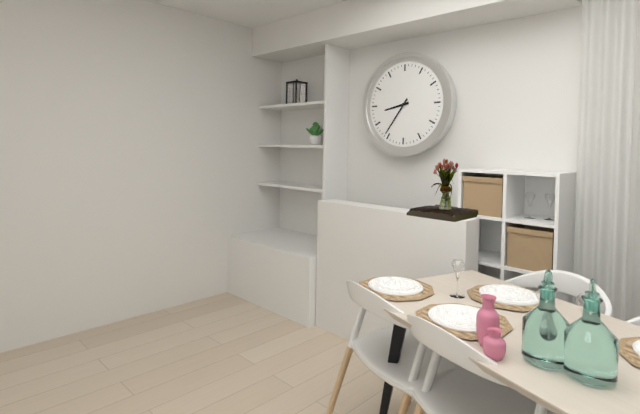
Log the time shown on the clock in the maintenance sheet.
8:36
